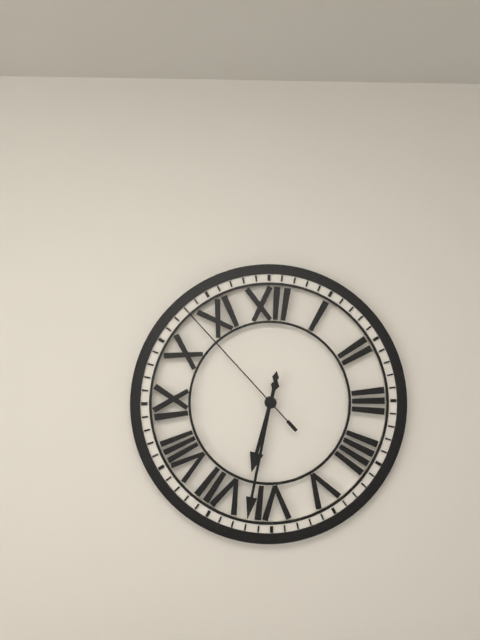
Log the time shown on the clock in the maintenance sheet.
6:32:53
